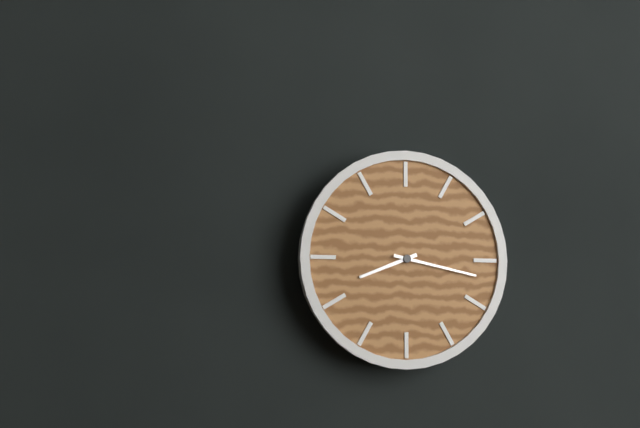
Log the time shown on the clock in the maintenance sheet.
8:17
